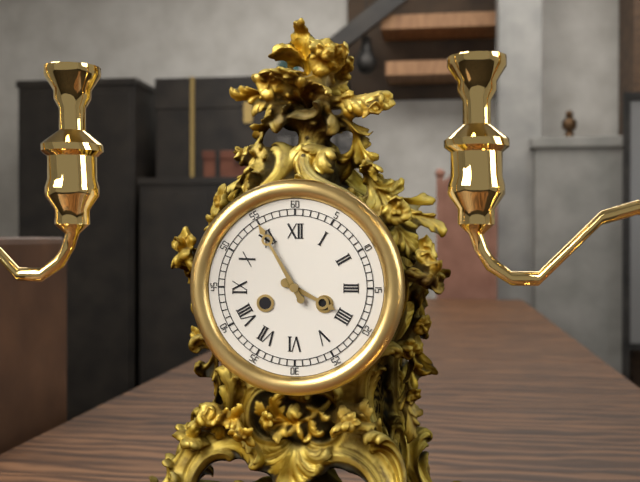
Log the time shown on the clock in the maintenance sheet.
3:55
